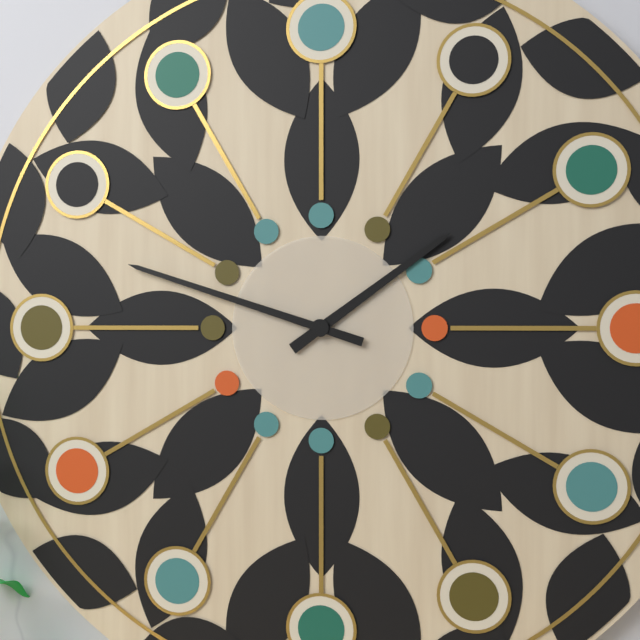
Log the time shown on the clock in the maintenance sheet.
1:48
